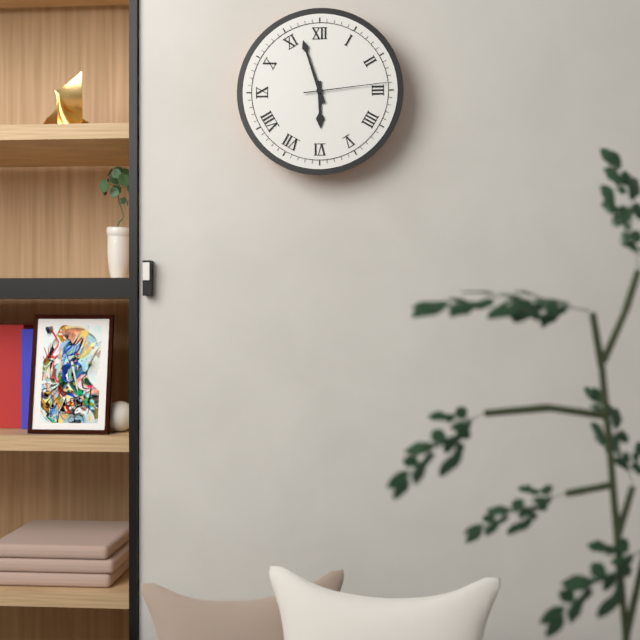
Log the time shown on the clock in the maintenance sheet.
5:57:14
